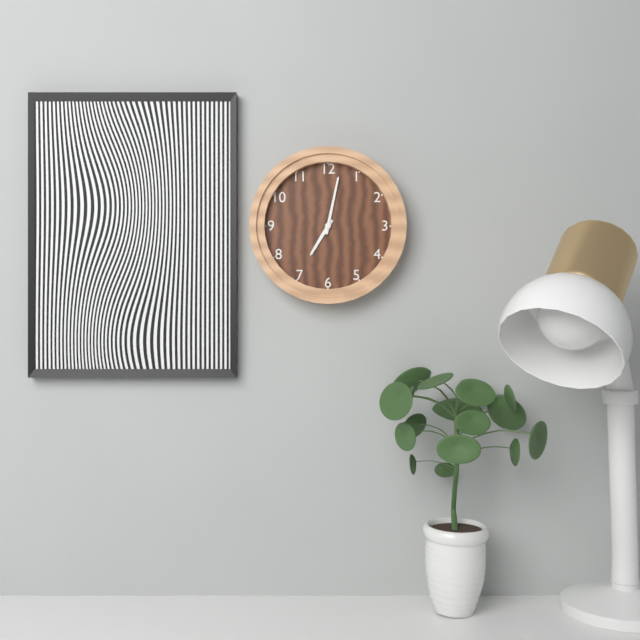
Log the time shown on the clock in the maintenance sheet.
7:02
